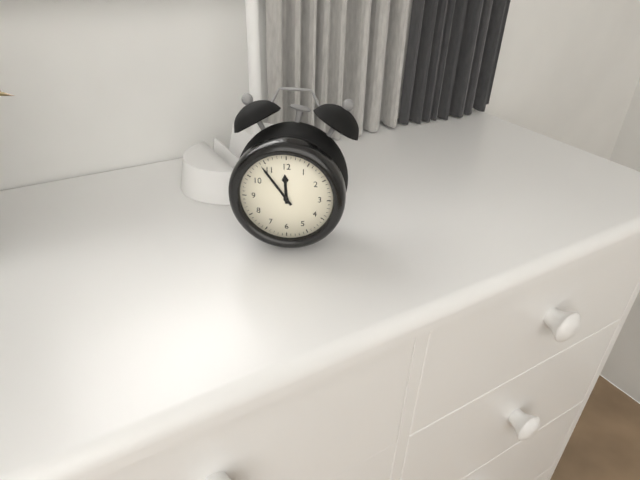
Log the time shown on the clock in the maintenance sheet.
11:54
